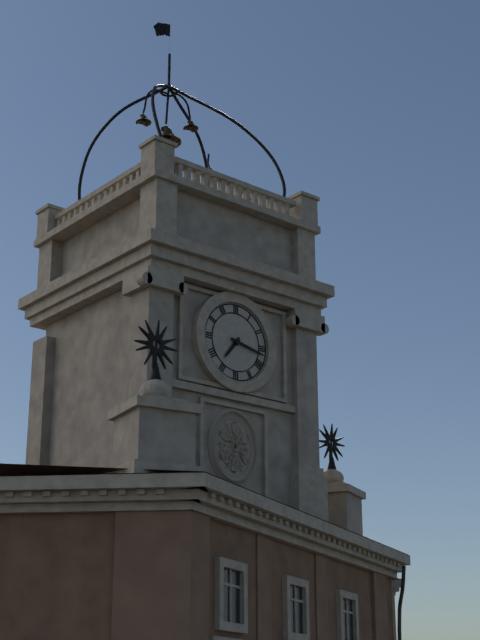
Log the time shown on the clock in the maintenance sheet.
7:17
